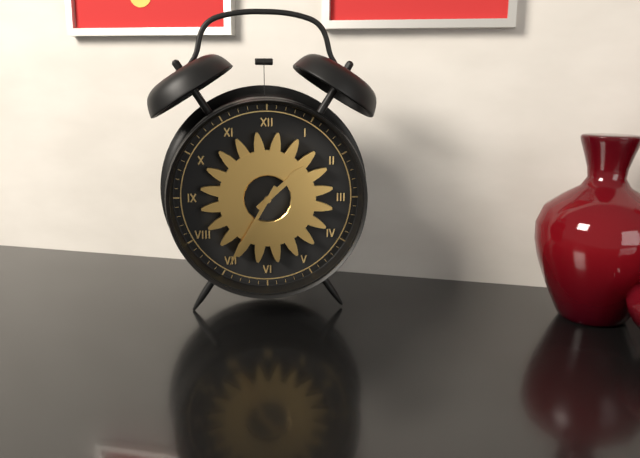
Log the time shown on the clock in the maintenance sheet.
1:35
